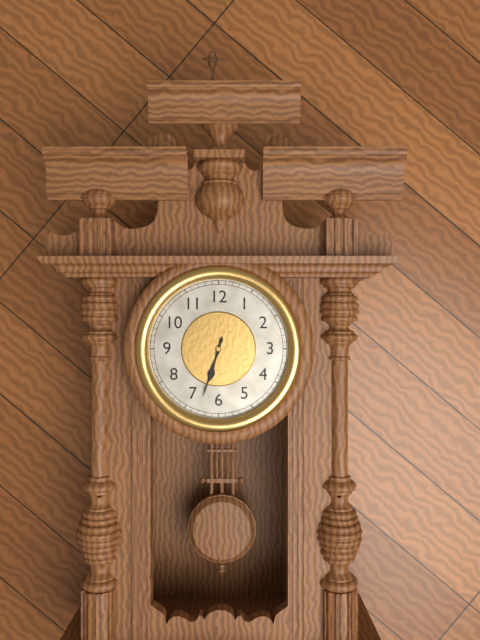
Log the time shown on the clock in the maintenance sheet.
6:33
